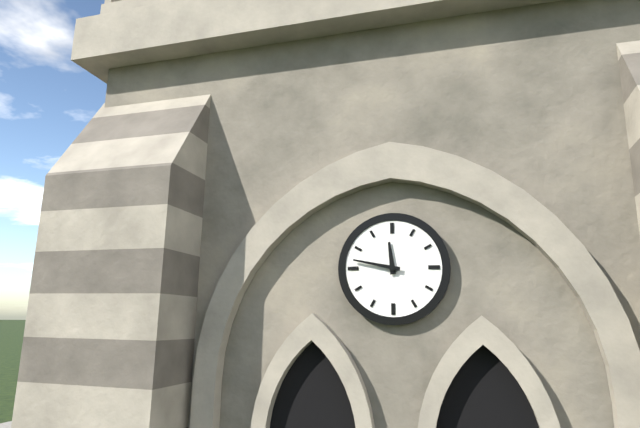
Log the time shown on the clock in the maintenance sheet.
11:47
